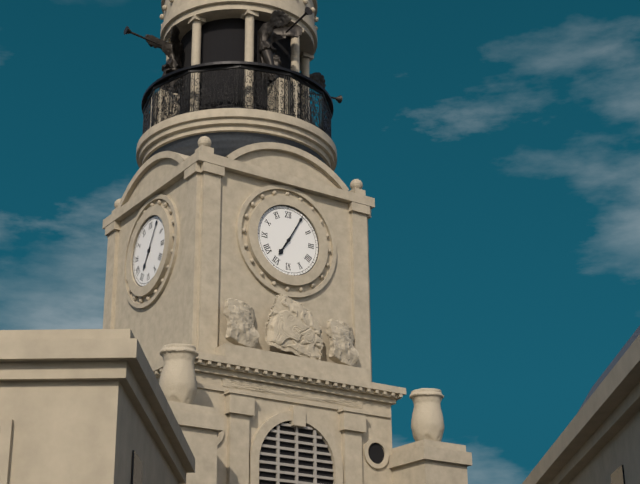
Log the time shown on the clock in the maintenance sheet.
7:05
